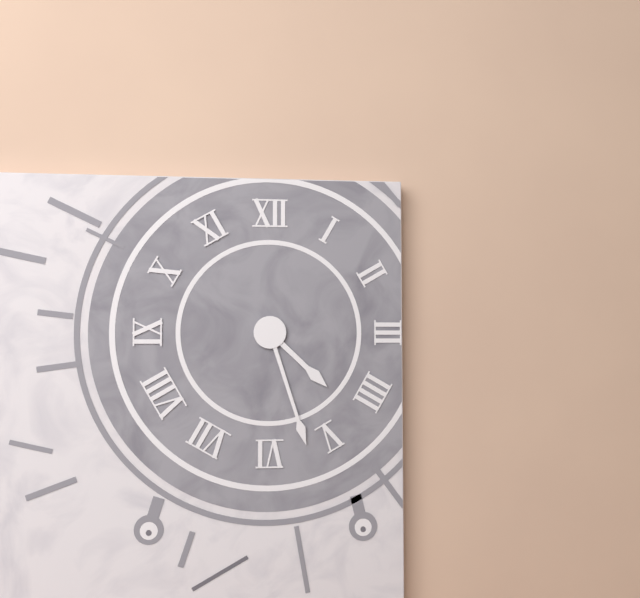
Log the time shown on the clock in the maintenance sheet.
4:27
